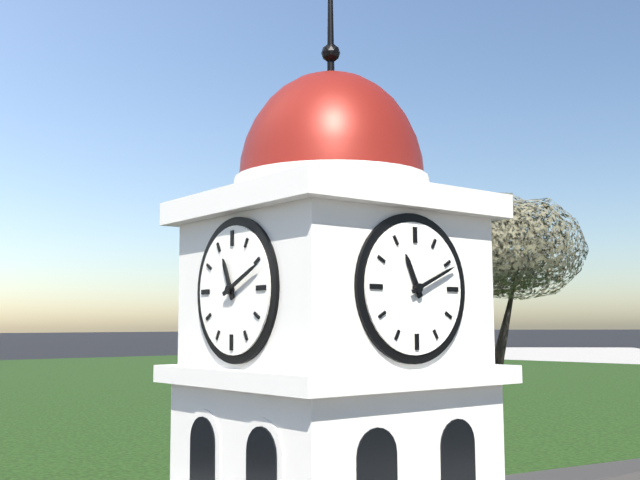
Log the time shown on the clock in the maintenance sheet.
11:11
